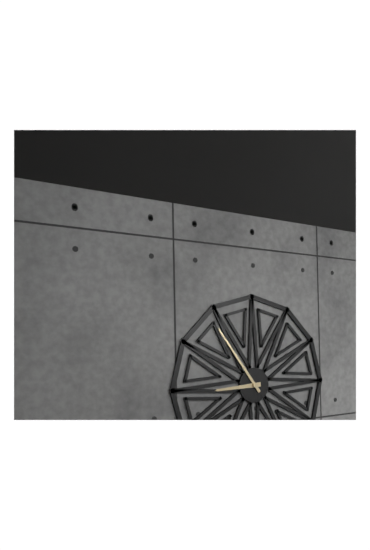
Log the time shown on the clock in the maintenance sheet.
8:54
